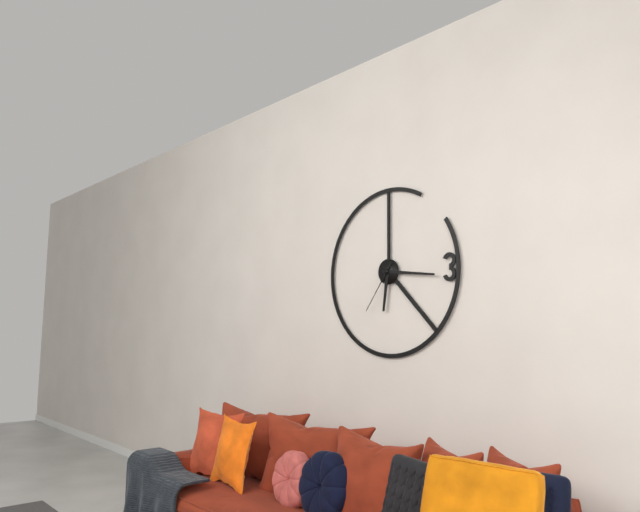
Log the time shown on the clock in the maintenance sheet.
6:16:36
